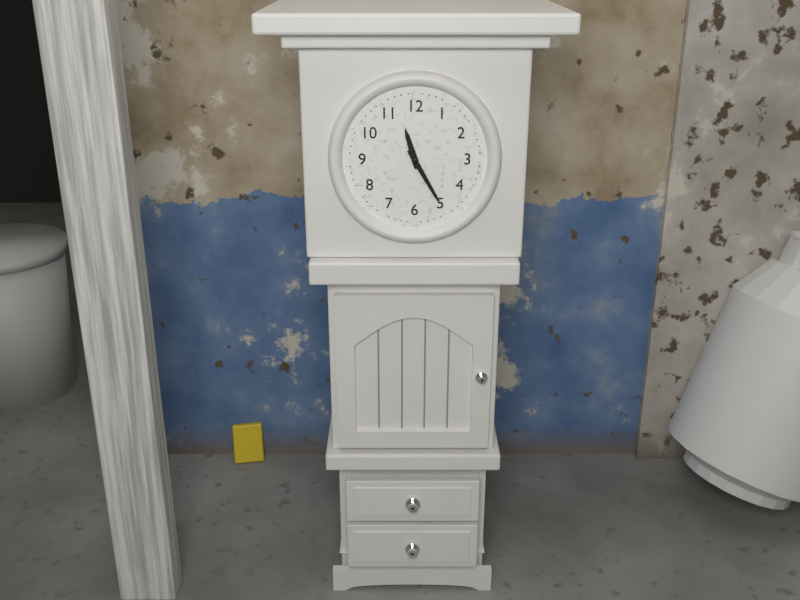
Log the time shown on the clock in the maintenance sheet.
11:25
